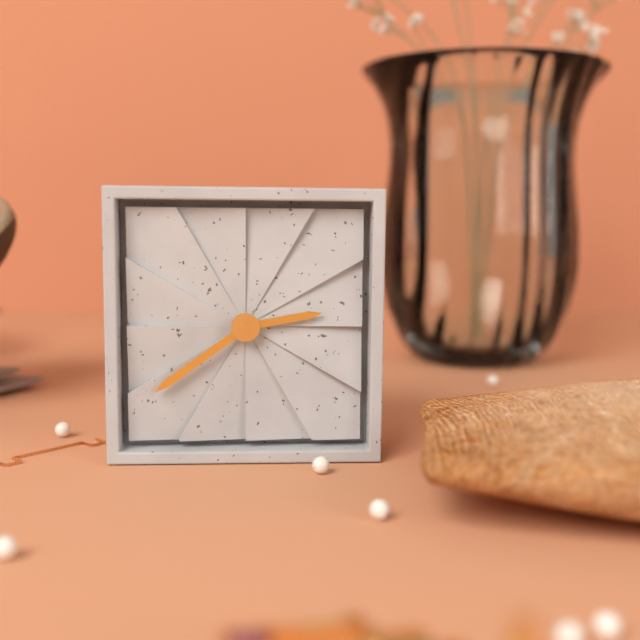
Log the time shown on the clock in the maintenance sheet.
2:39
